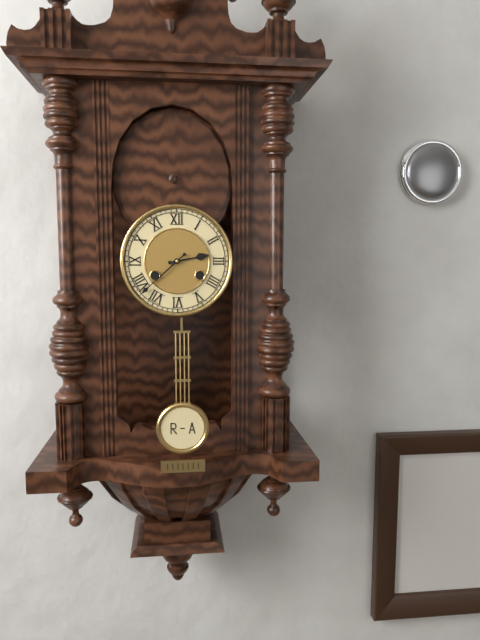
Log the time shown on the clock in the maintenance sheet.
2:38
